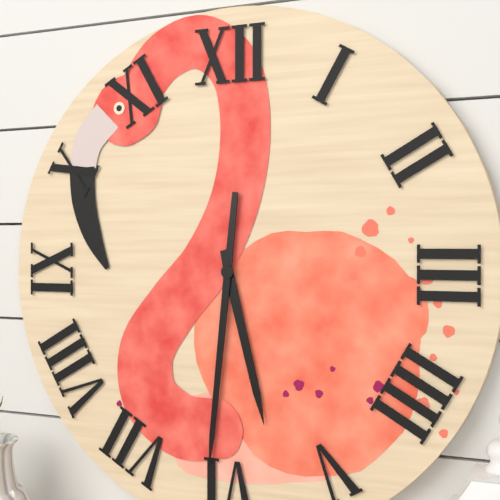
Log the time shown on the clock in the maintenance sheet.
5:31
